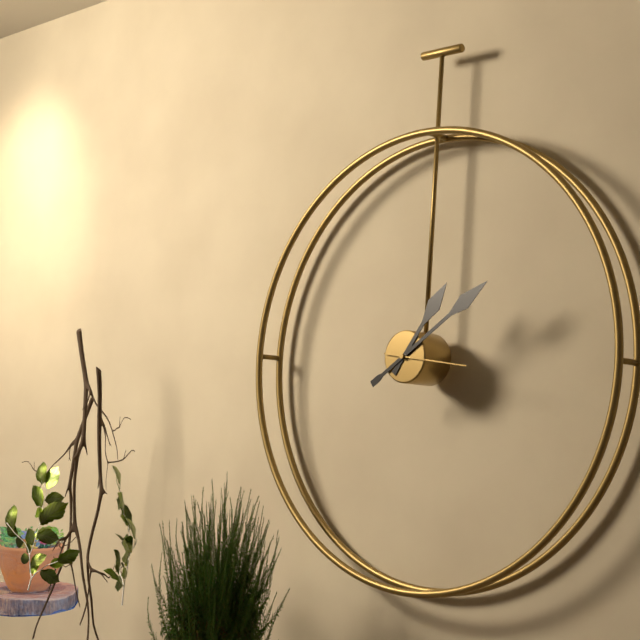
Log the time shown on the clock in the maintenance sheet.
1:09:16
